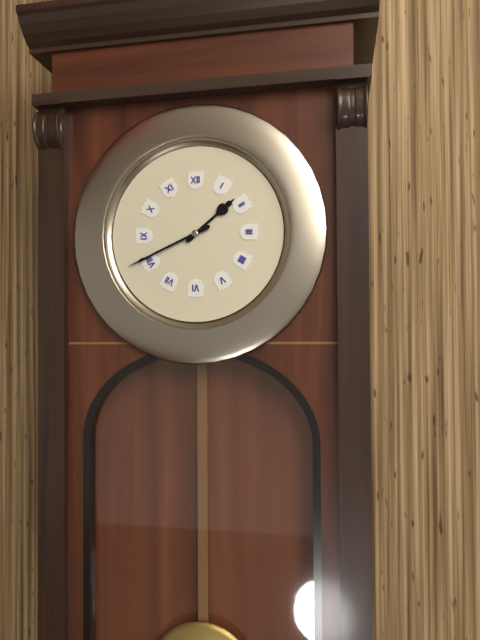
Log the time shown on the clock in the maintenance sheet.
1:41
